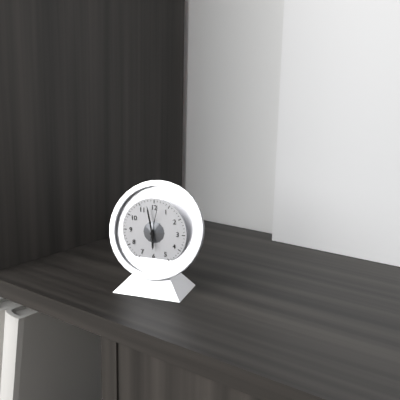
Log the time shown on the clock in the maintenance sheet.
5:58
